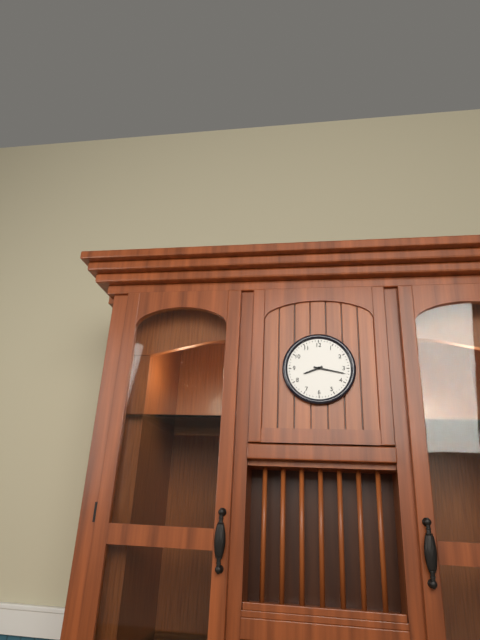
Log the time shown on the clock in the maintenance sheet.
8:17
